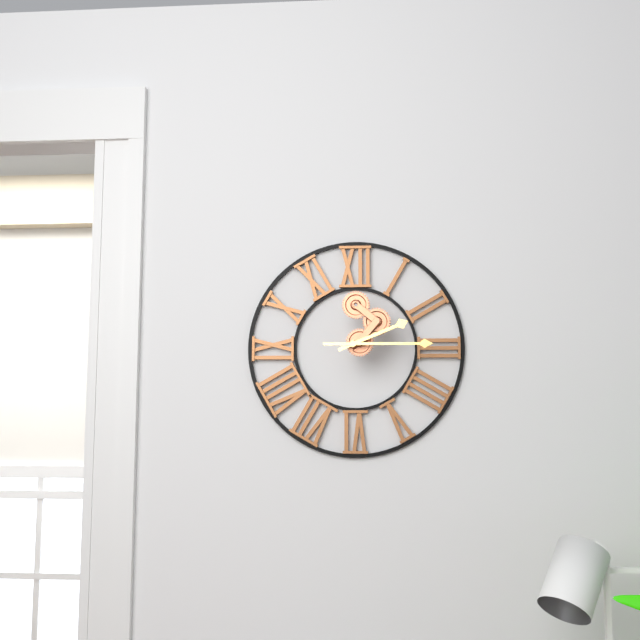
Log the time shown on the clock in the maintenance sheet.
2:15
